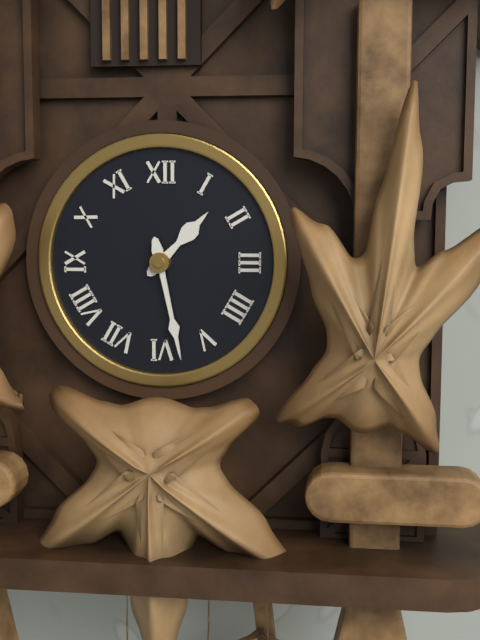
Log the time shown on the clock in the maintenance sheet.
1:28
